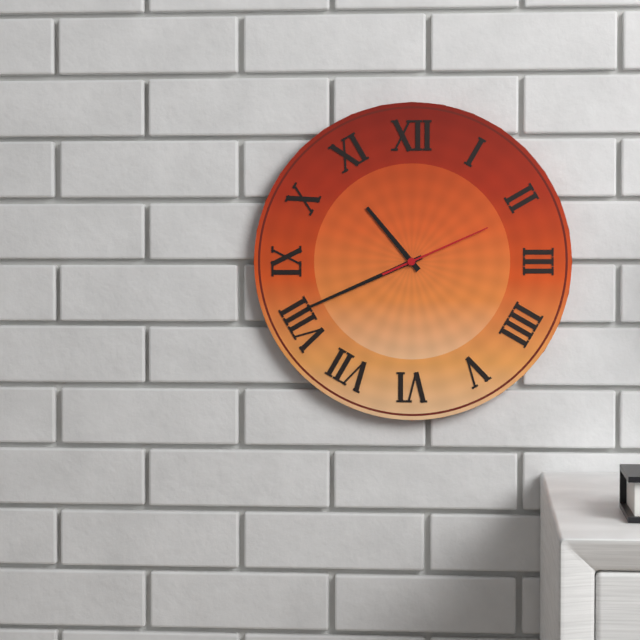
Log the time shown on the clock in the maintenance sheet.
10:41:11
